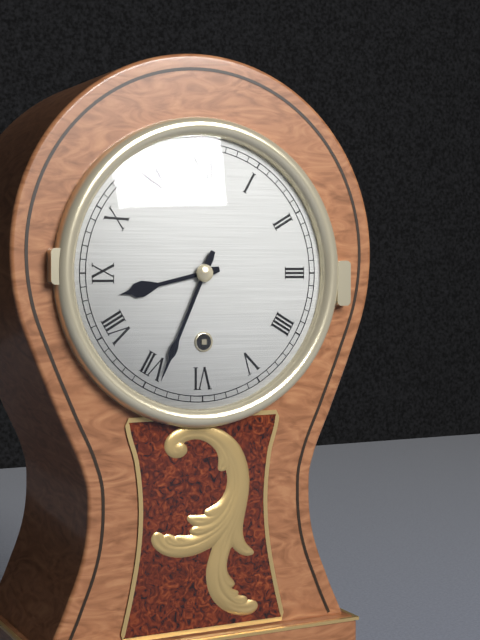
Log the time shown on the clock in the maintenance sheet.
8:34
